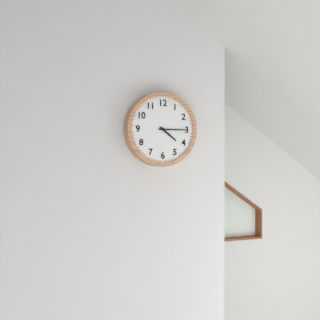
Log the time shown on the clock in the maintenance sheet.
4:15
